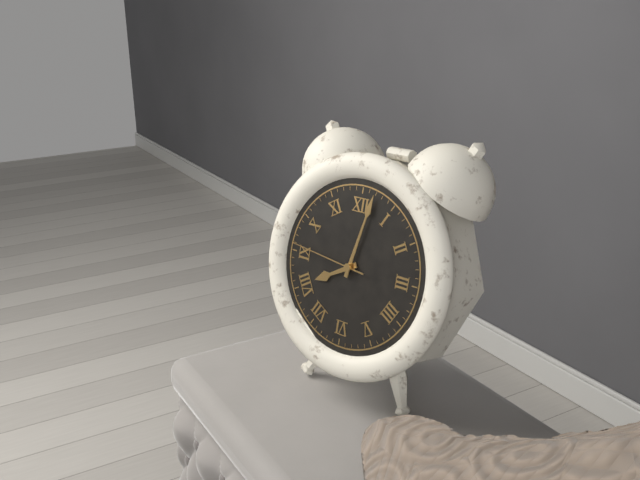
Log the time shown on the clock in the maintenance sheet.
8:02:46
